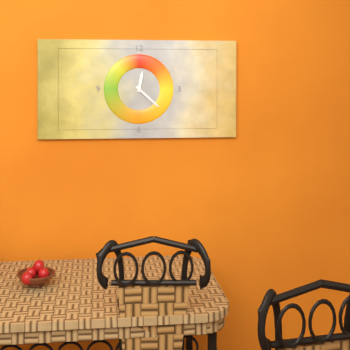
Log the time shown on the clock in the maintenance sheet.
12:22
